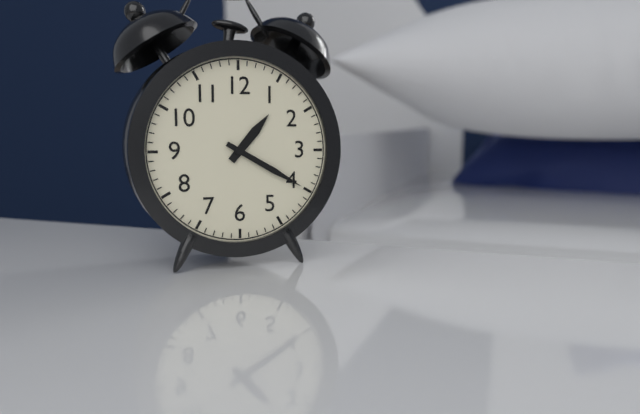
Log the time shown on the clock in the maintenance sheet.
1:20
